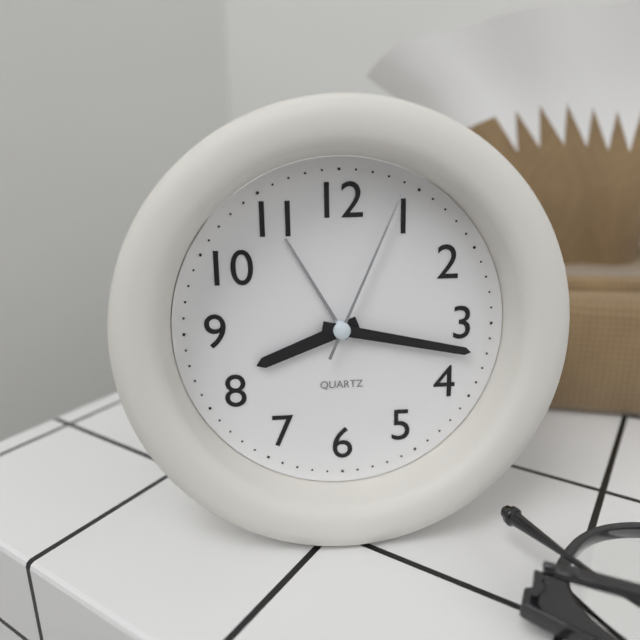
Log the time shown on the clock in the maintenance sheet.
8:17:04
